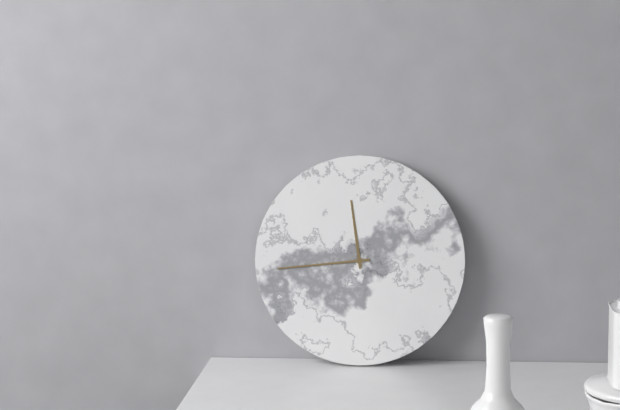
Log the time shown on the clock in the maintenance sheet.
11:44
